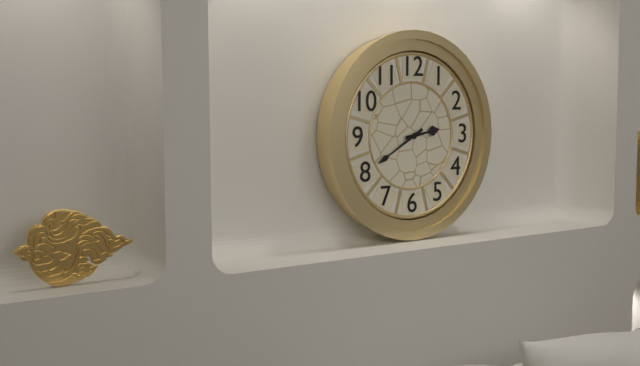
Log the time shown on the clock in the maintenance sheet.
2:40
